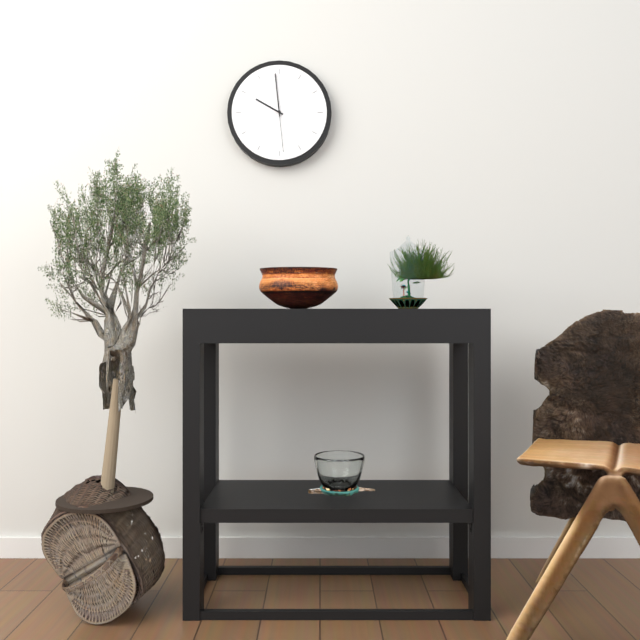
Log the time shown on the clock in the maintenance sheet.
9:59:29
